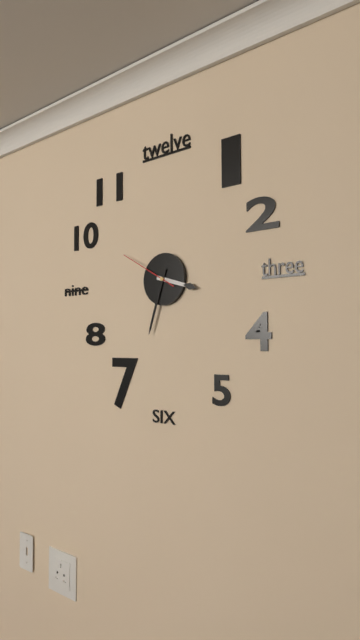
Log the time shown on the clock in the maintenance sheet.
3:33:50
